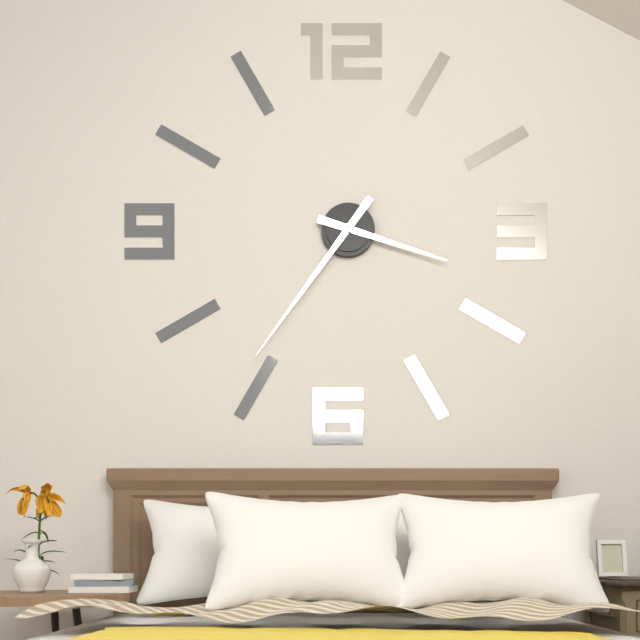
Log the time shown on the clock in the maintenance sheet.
3:36
